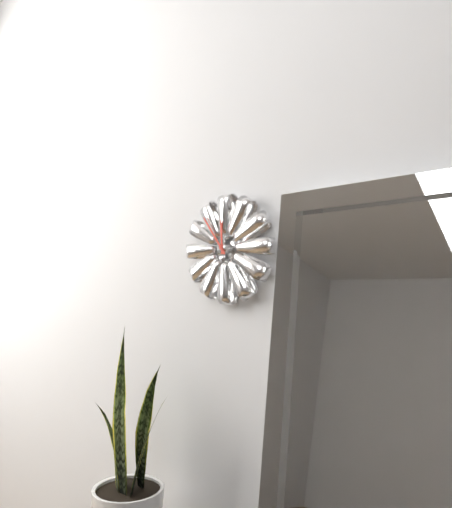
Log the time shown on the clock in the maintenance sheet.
11:54
